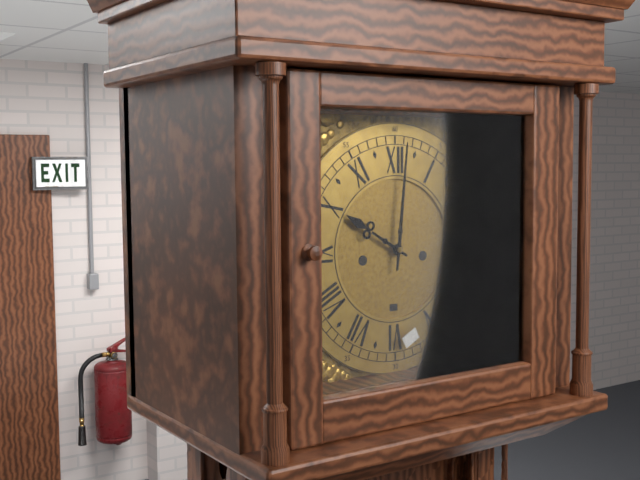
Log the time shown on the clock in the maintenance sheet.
10:01
